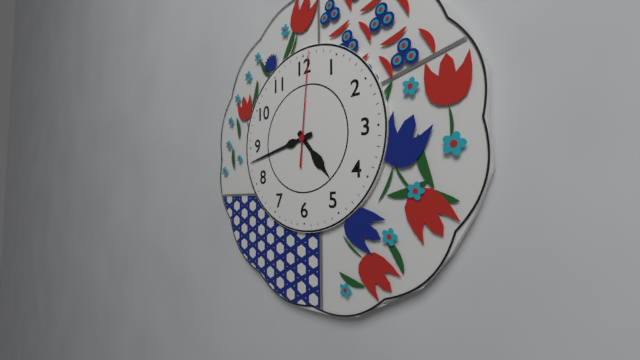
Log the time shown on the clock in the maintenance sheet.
4:43:01
